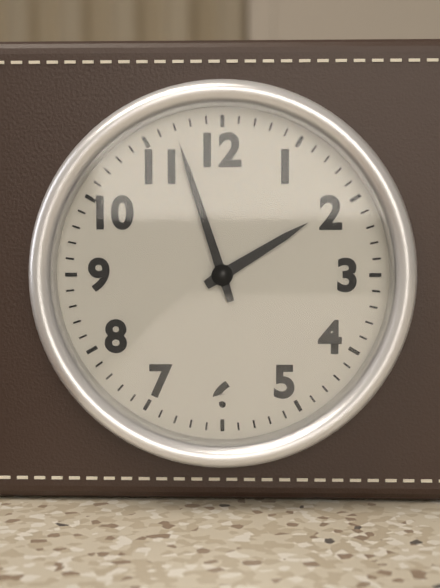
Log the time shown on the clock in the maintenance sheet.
1:57
